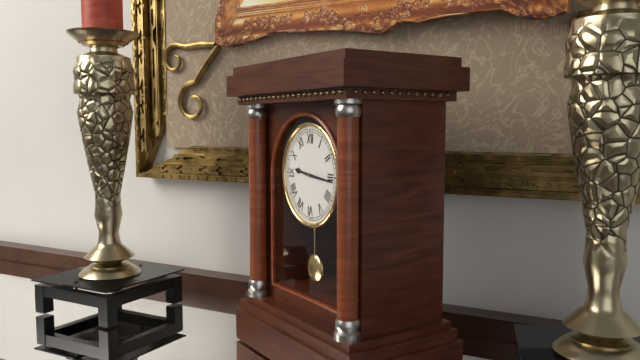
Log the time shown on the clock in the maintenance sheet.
9:16
